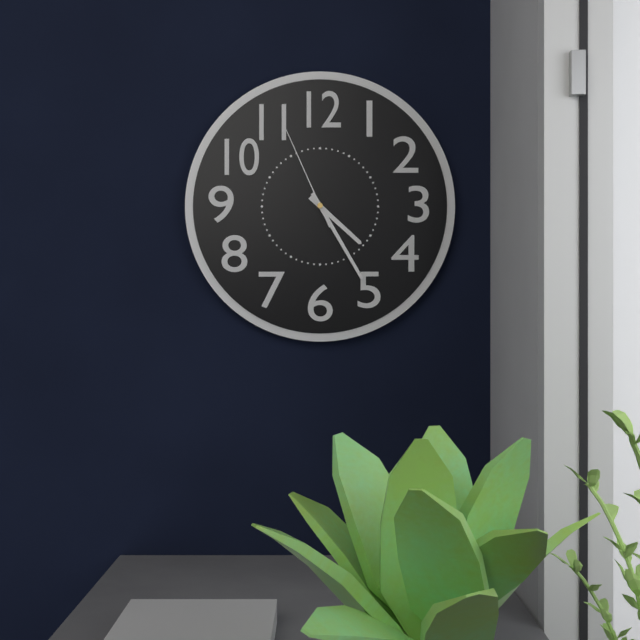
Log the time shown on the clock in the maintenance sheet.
4:25:56
